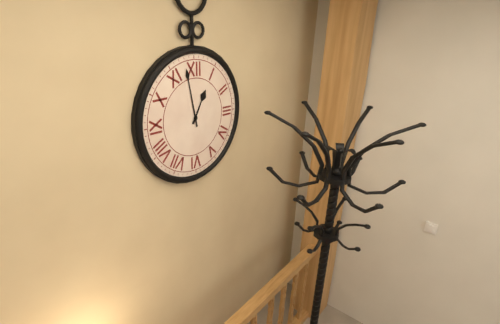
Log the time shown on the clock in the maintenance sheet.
12:58
